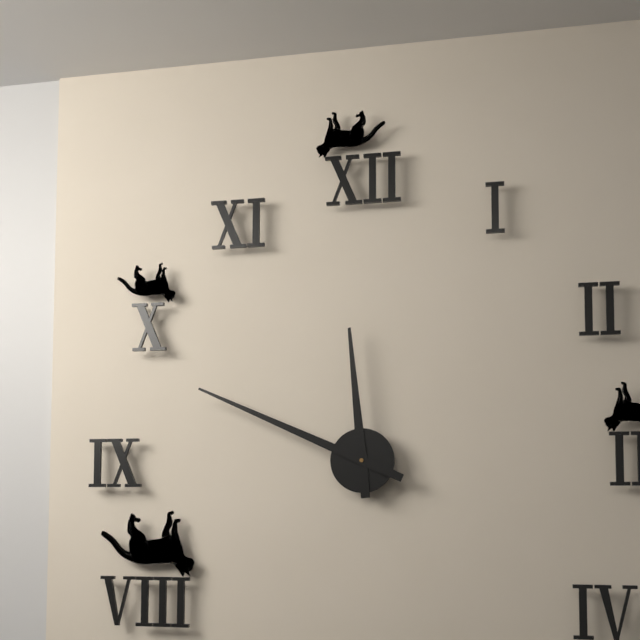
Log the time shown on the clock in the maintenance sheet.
11:49
